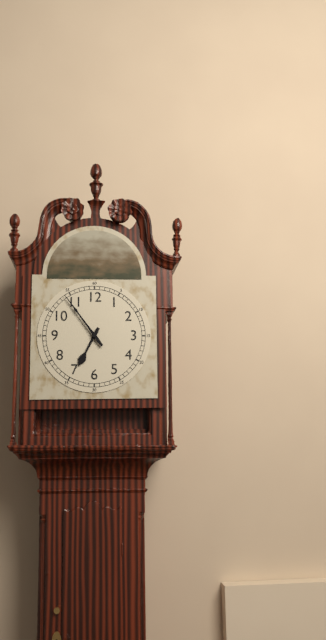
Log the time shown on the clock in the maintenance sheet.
6:54
